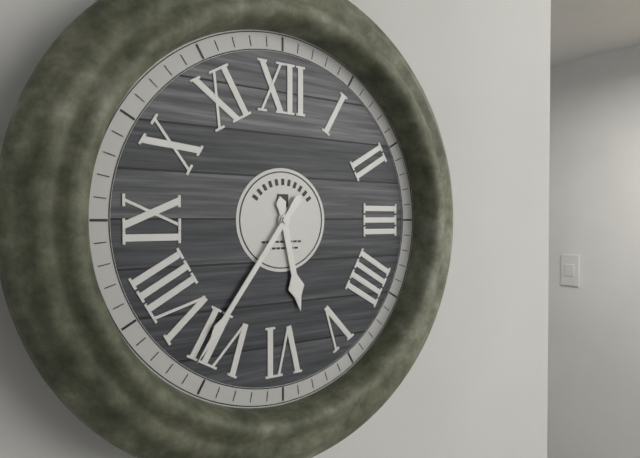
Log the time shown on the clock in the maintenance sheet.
5:36
